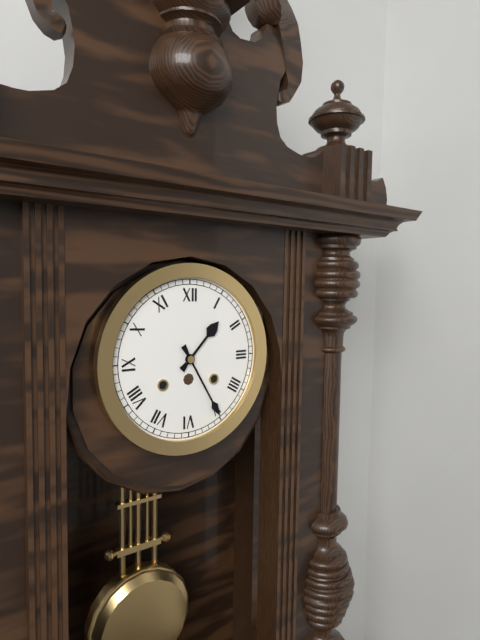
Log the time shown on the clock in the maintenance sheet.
1:25
